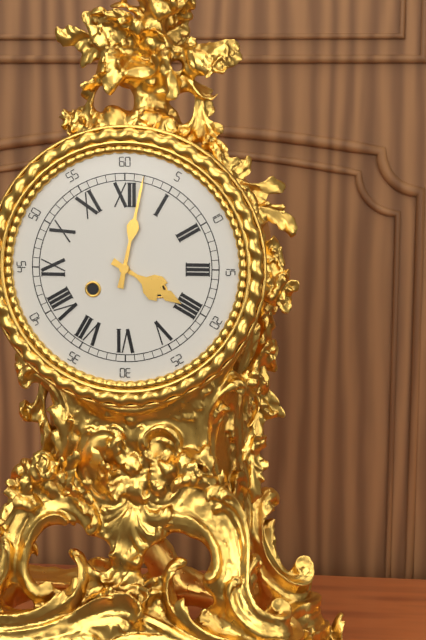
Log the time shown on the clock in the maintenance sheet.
4:02
